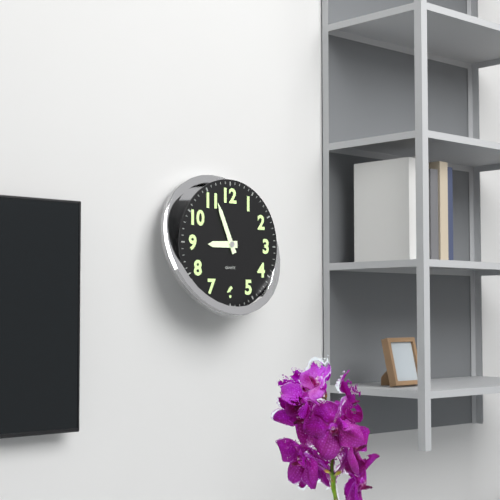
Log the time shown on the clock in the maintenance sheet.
8:56
